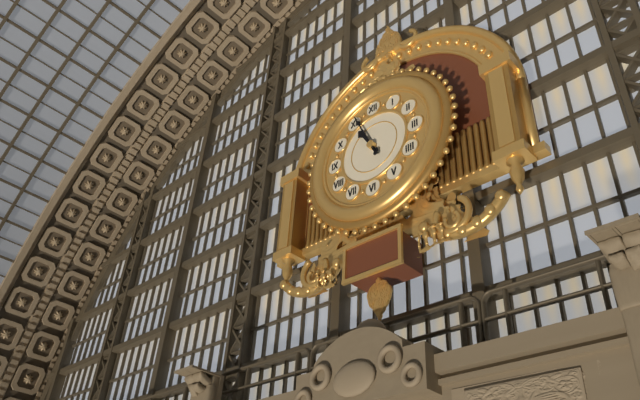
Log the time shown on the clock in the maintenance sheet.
10:56
